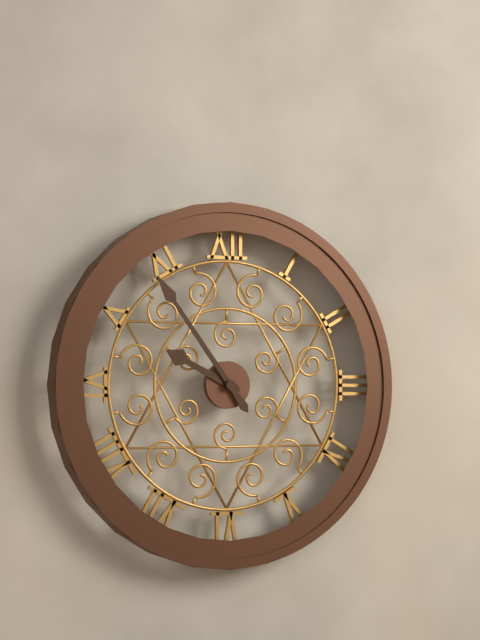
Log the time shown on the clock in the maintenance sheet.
9:54
